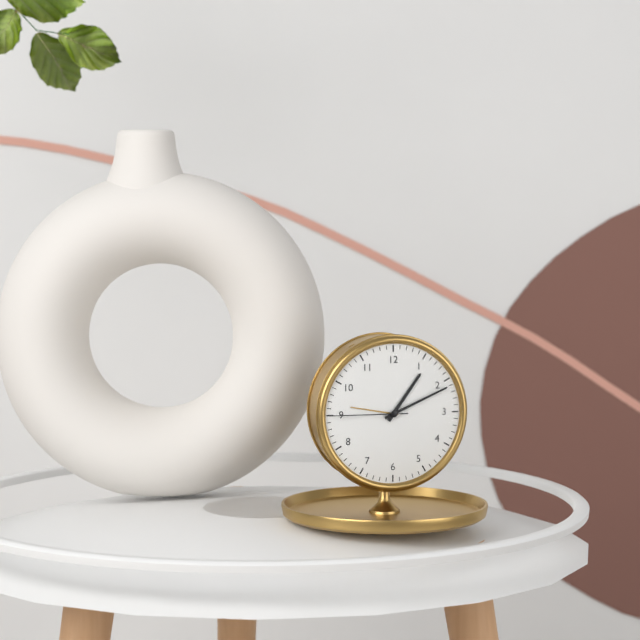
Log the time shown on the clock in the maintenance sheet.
1:11:45
